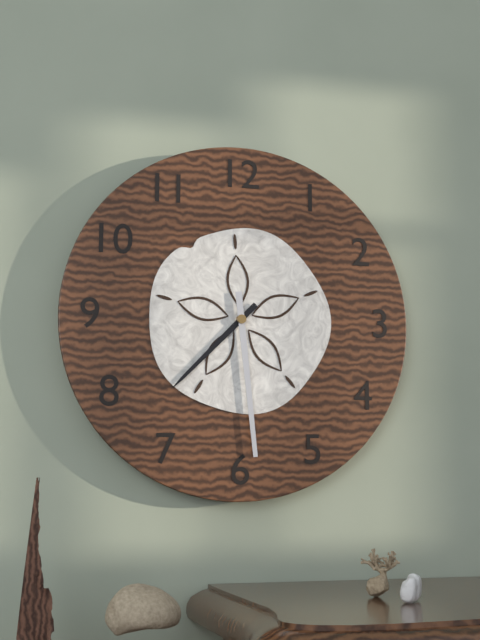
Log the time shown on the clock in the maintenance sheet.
7:29
